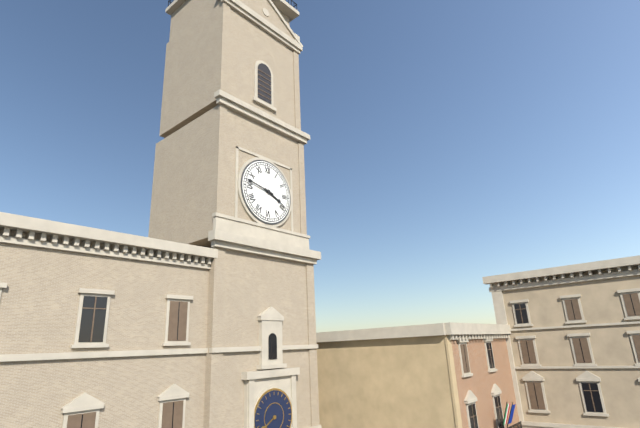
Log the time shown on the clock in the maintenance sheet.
3:47
